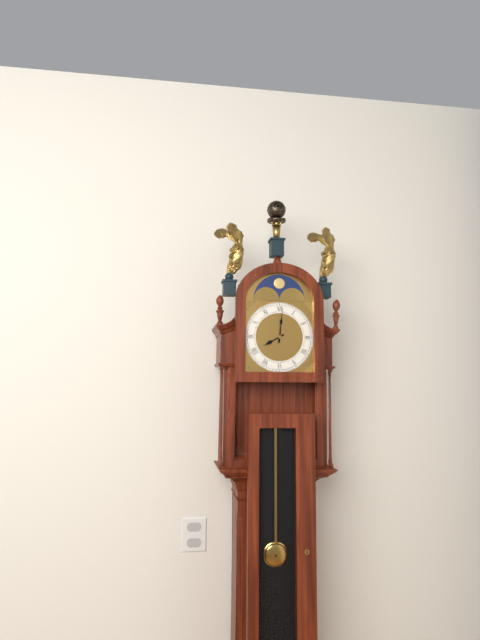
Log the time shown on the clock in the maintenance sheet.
8:01
